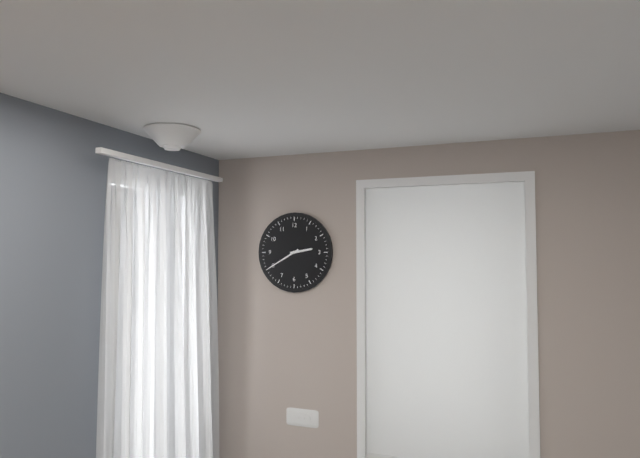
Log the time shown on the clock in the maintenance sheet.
2:40
